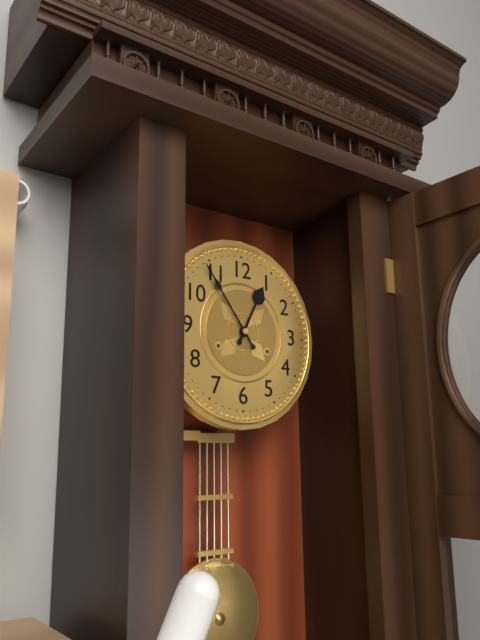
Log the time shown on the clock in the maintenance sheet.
12:54
